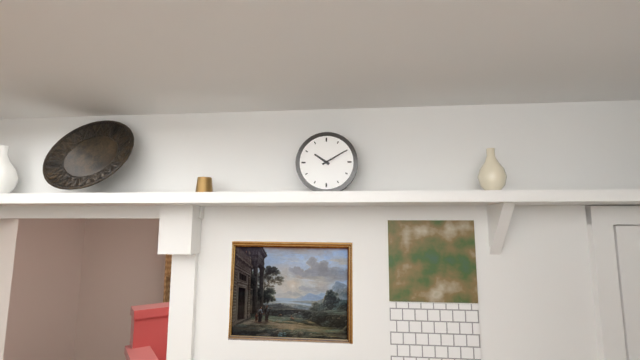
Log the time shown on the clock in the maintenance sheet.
10:10
